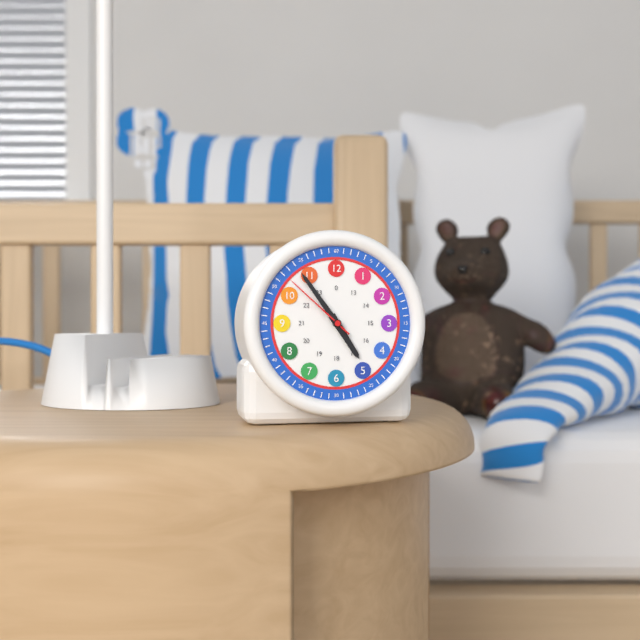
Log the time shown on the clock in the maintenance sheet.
4:54:52
